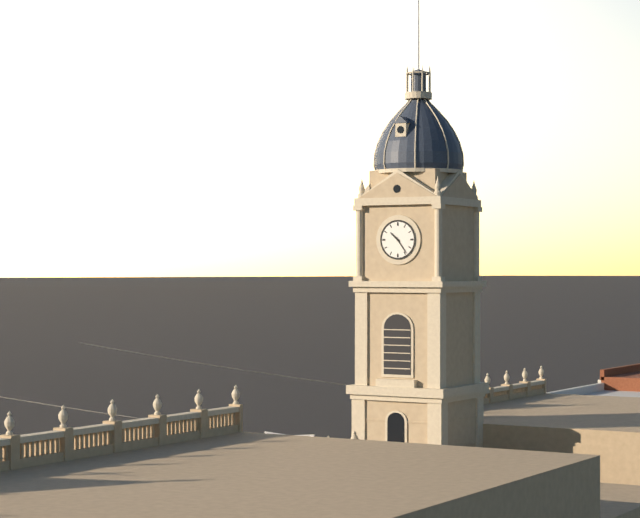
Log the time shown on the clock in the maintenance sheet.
10:24
